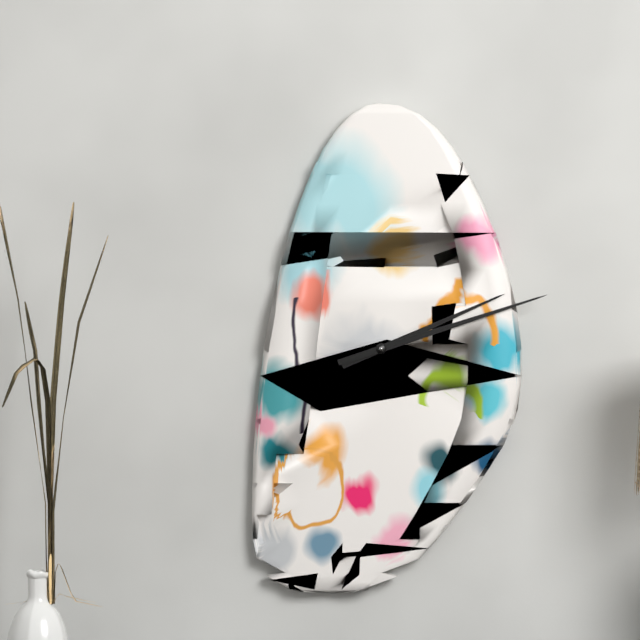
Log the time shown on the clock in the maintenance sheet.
2:12
